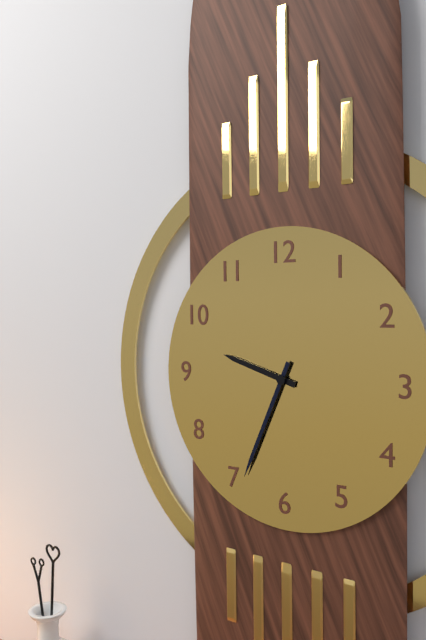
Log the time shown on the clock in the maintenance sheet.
9:34
